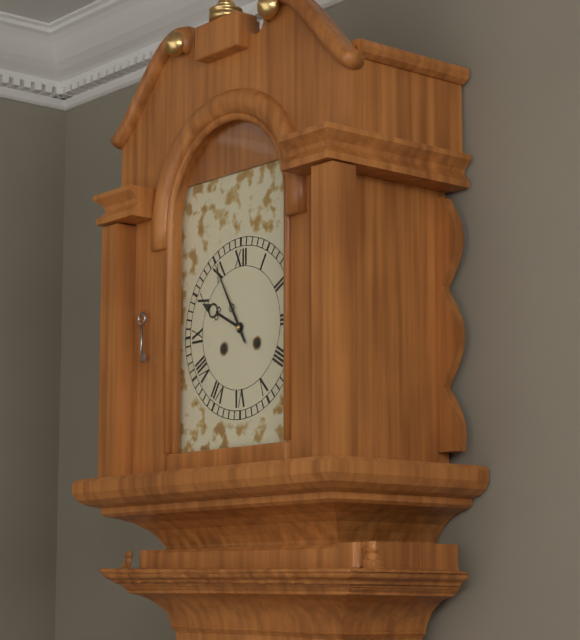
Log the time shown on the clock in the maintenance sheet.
9:55
